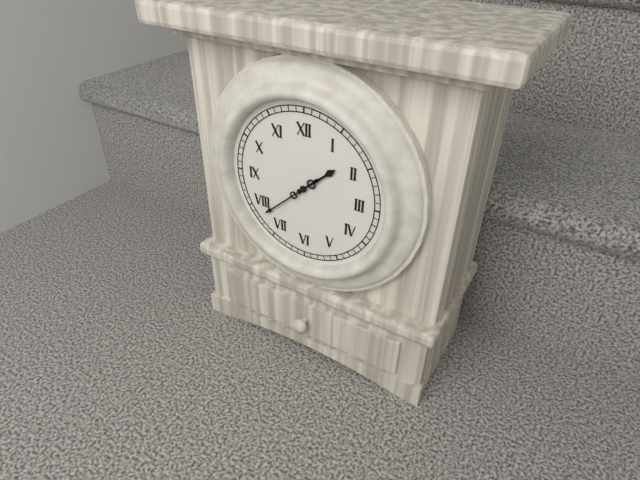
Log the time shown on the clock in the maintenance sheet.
1:38
